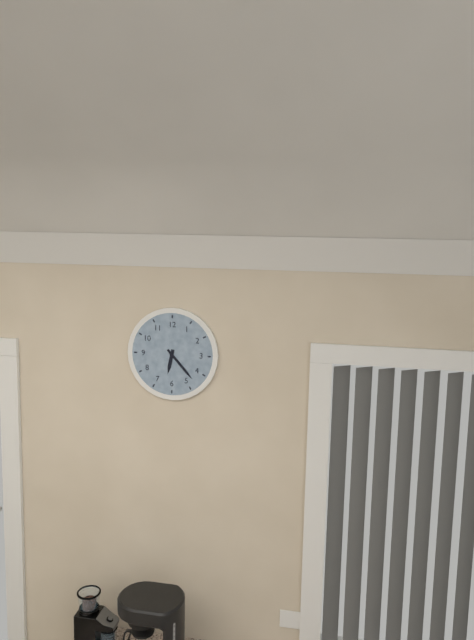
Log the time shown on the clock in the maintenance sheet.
6:23
